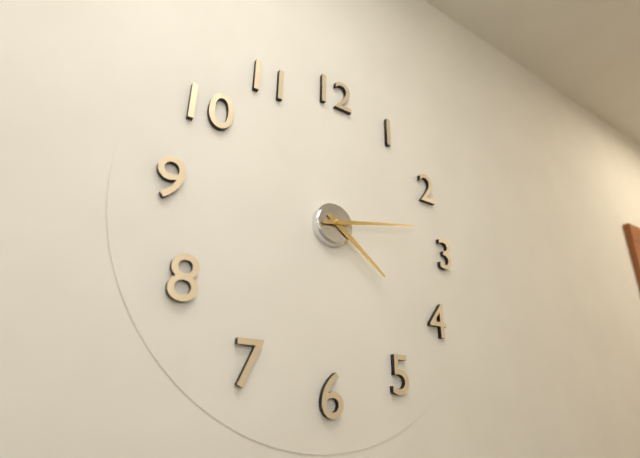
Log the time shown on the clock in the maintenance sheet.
4:13
